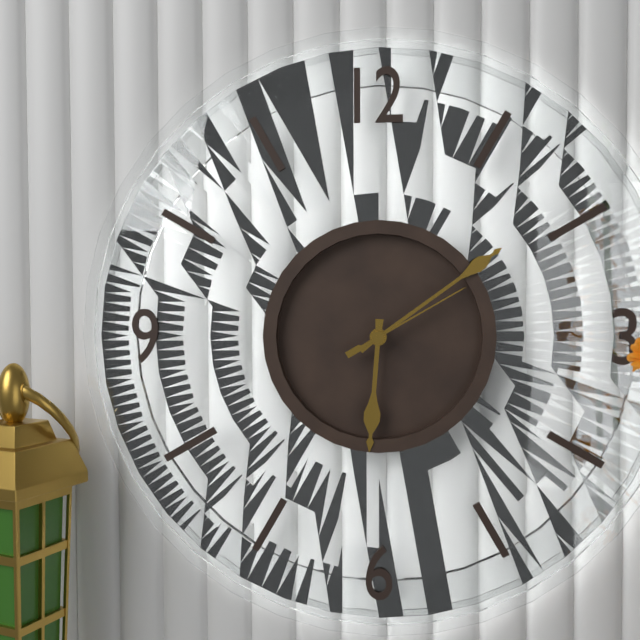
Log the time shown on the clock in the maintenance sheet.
6:09:10
